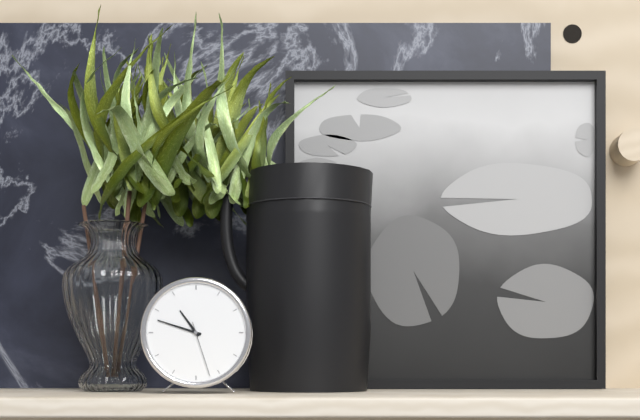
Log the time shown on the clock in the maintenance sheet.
10:48:27
